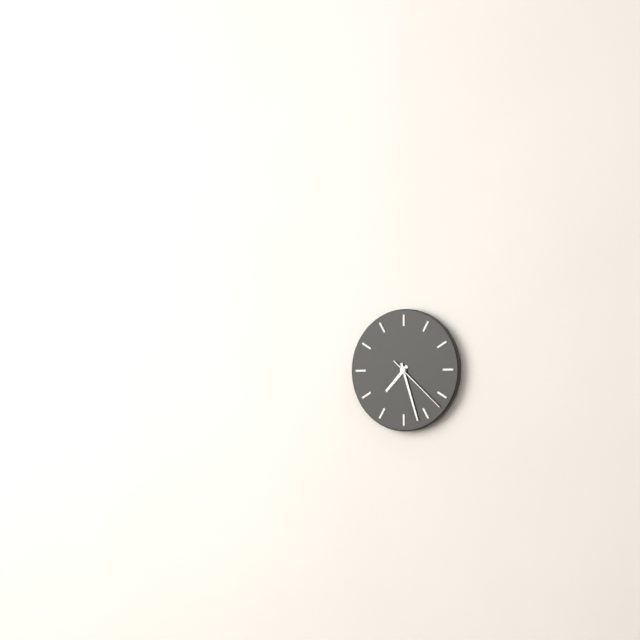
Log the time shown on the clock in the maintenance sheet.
7:27:22
